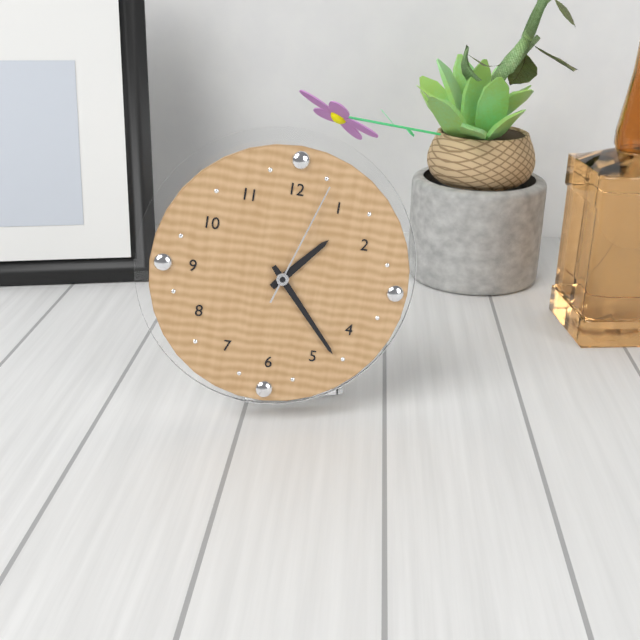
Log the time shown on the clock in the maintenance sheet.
1:23:03
